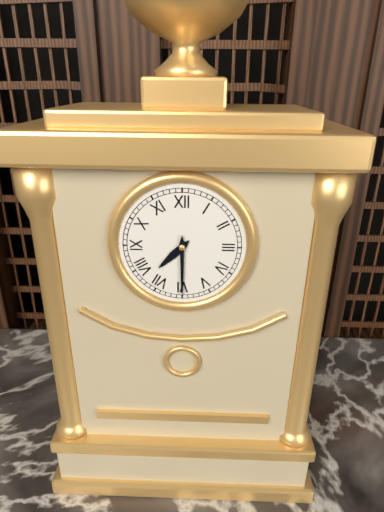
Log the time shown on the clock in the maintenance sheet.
7:30
